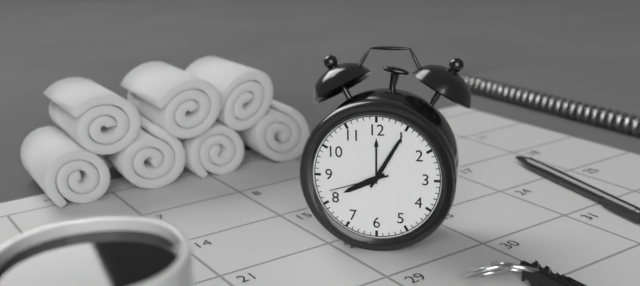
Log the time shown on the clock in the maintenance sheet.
8:05:42
